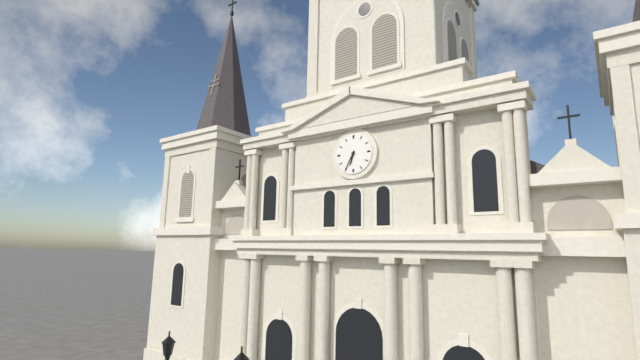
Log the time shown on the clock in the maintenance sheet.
6:35
